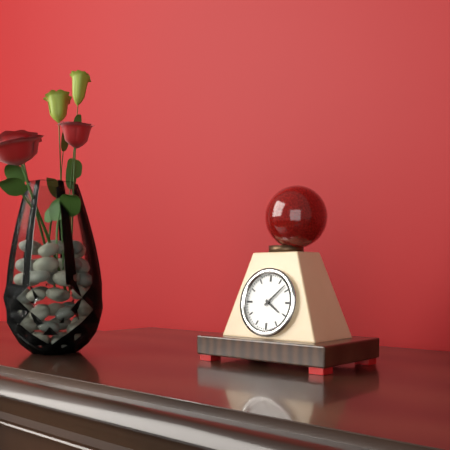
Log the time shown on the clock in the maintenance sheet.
4:08
